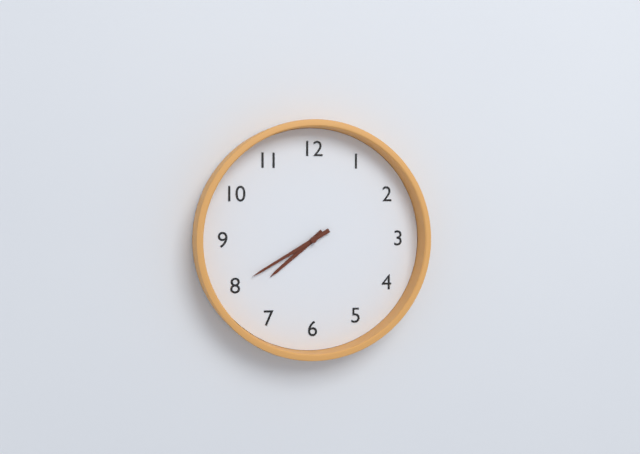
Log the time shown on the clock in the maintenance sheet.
7:40
